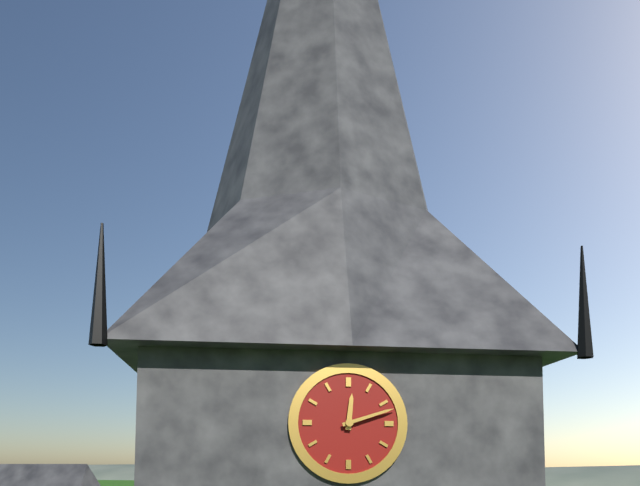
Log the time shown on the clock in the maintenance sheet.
12:12
